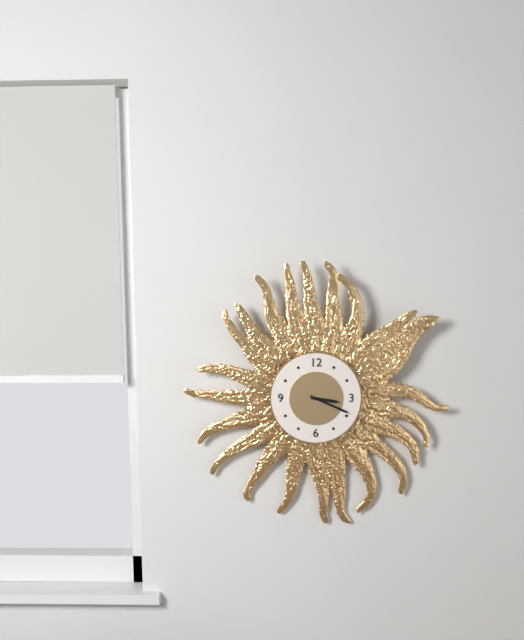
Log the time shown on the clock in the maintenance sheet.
3:19
